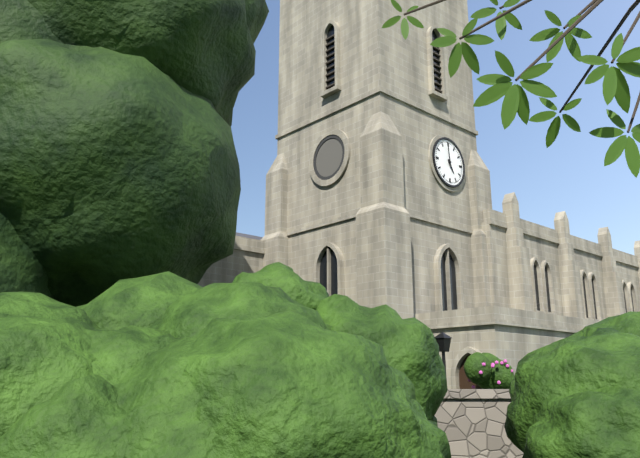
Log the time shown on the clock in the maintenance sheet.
4:59
